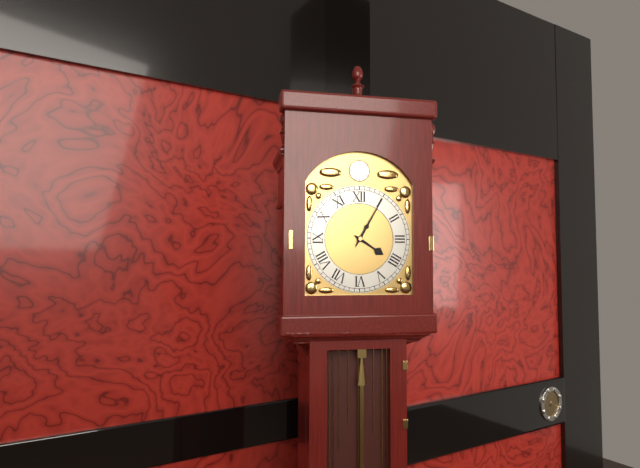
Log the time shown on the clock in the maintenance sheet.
4:05
